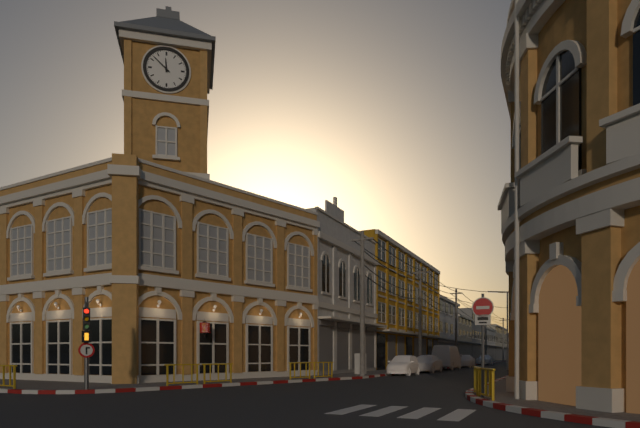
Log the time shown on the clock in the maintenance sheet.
11:52
